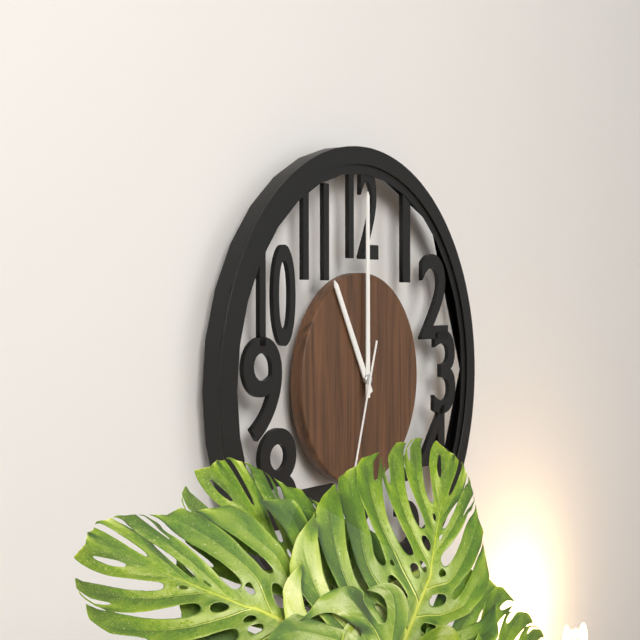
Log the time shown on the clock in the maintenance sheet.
11:00
